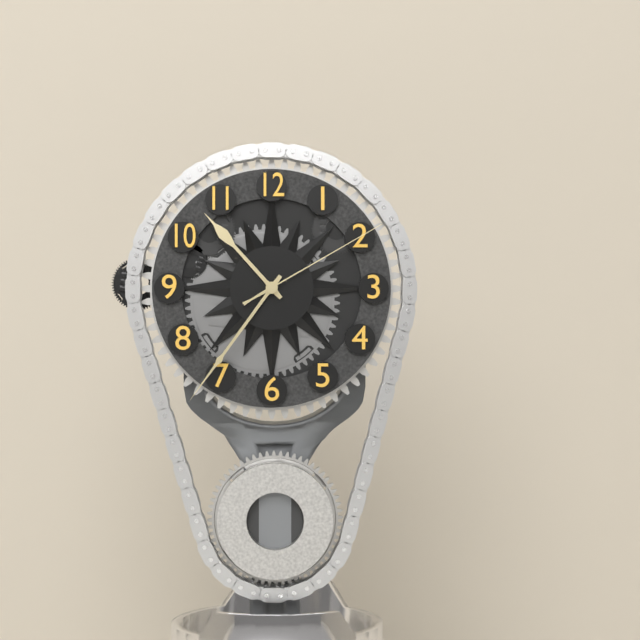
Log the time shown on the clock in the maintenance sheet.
10:36:10
